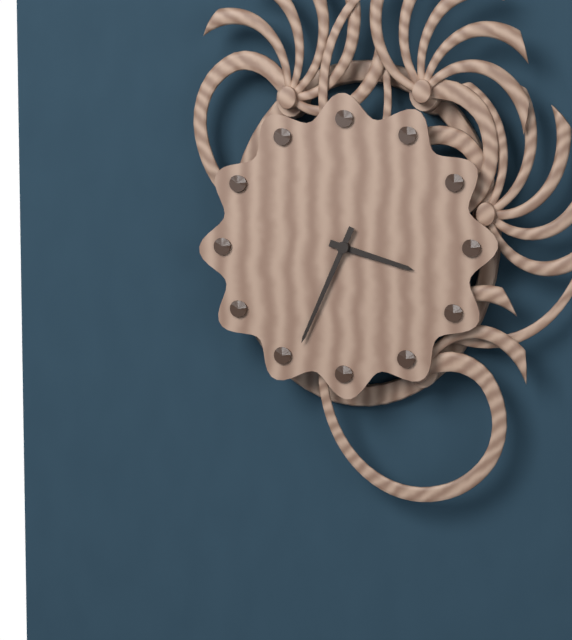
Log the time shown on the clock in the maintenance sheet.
3:34
